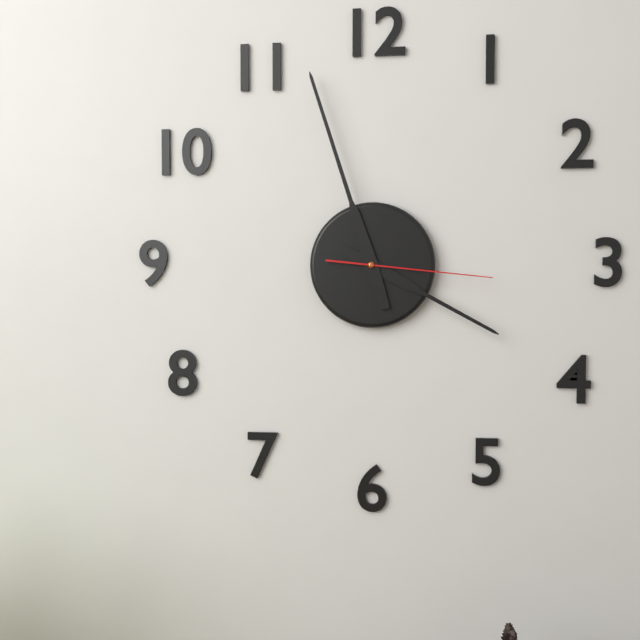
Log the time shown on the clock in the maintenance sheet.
3:57:16
